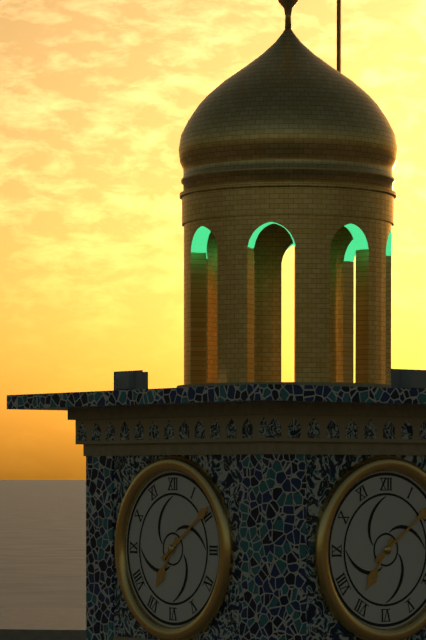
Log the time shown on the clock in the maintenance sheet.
7:09
